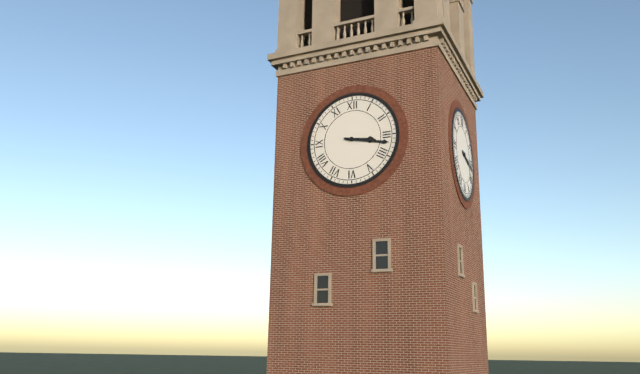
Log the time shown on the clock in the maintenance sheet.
3:17
